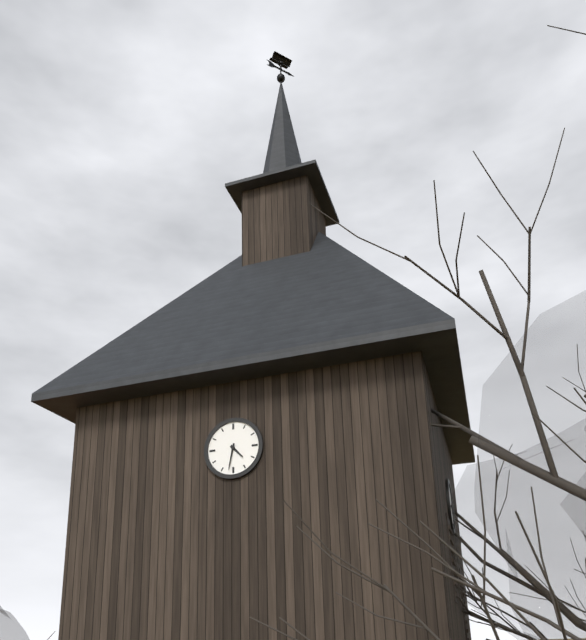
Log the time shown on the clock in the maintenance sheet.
4:32
